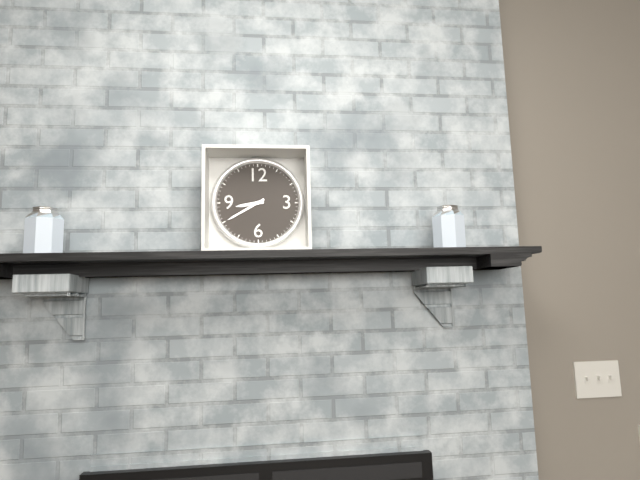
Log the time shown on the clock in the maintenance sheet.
8:40
